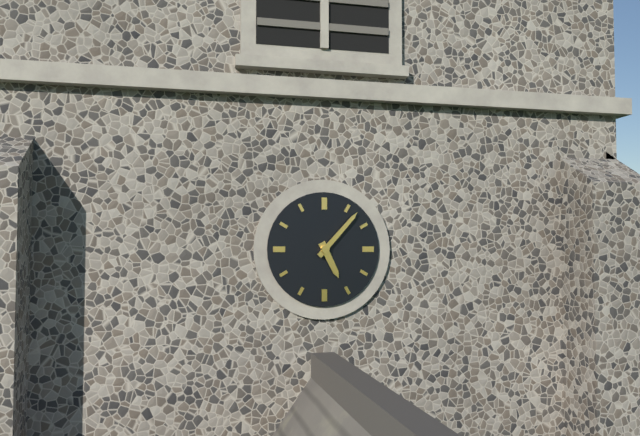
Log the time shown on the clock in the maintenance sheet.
5:07
